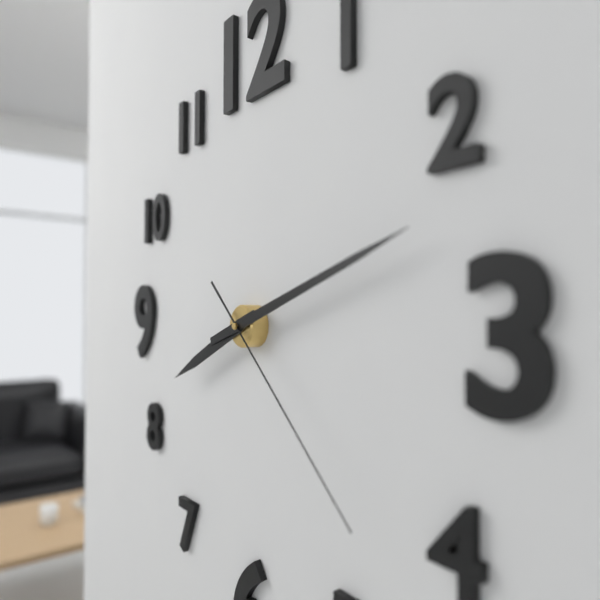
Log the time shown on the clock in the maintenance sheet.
8:12:22
